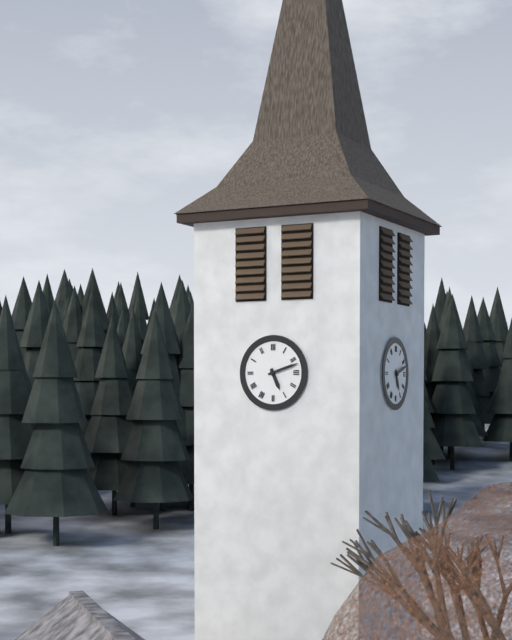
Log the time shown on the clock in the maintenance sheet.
5:12
